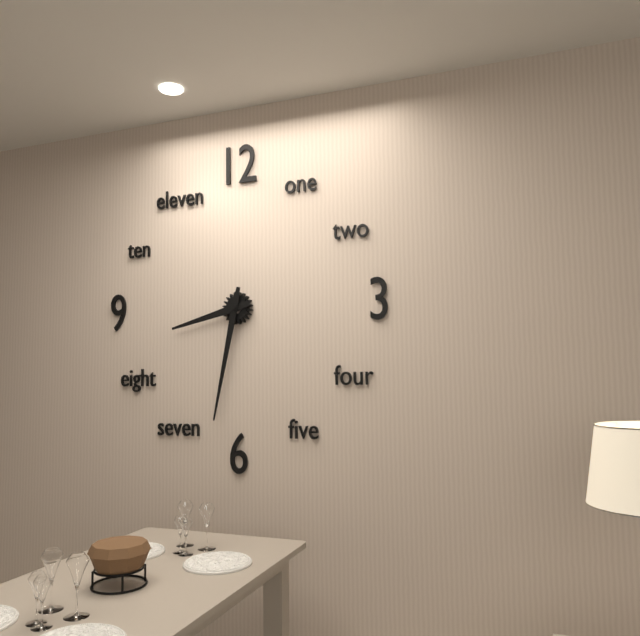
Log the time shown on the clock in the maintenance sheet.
8:32
